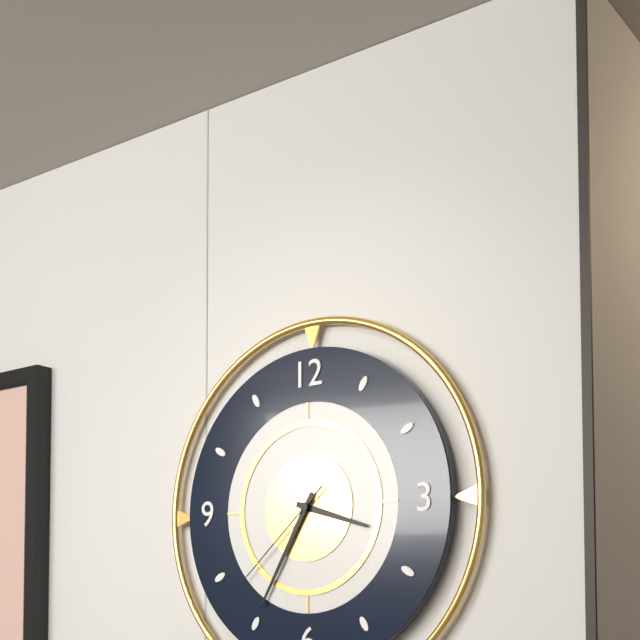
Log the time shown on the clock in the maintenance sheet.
3:35:38
